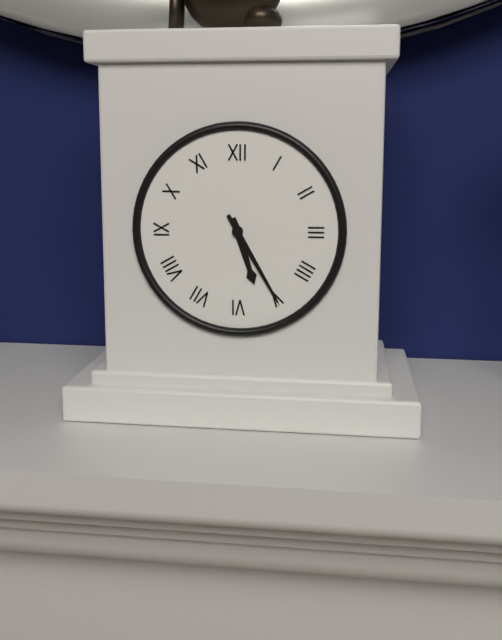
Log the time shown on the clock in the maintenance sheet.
5:25
